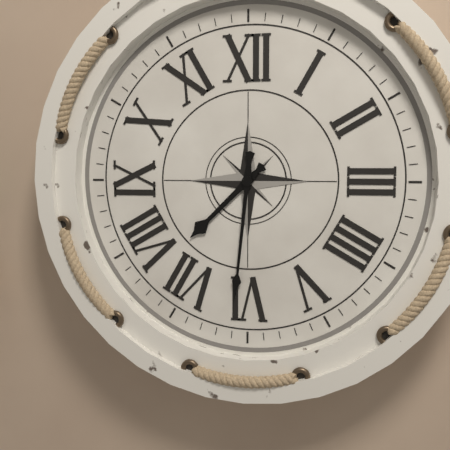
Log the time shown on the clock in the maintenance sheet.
7:31
